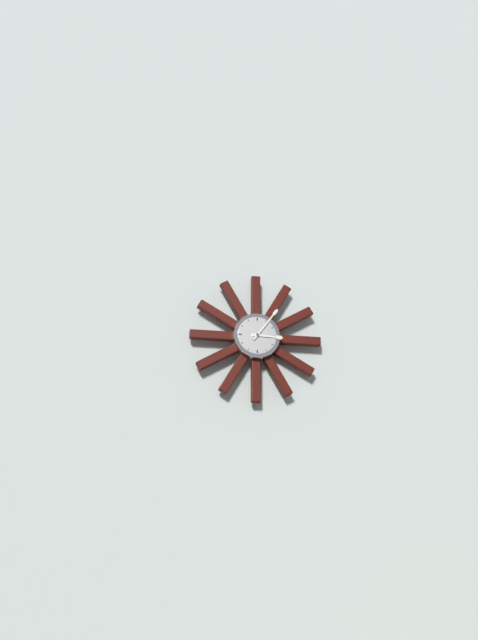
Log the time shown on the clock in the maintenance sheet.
3:06
